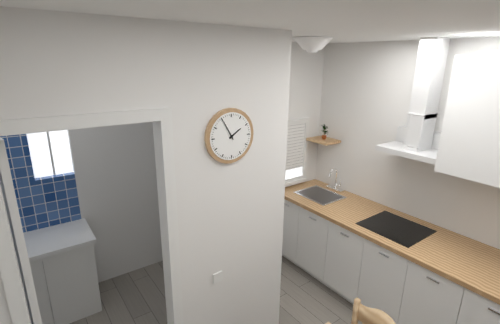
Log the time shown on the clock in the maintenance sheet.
1:55
